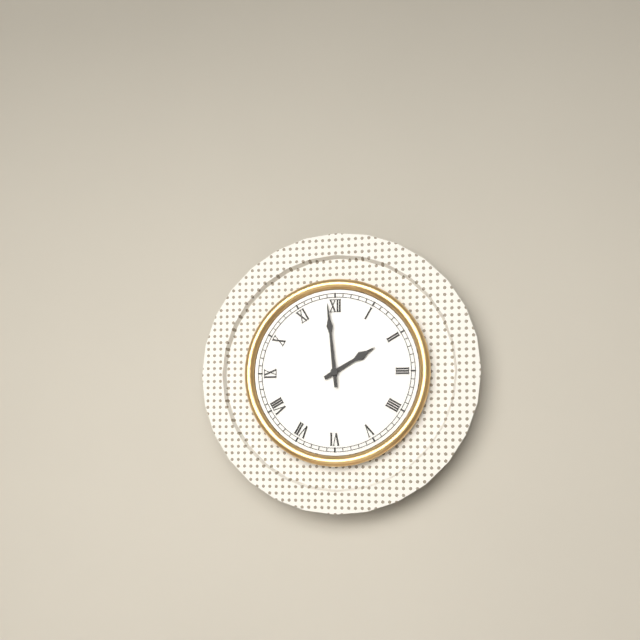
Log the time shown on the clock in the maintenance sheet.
1:59
